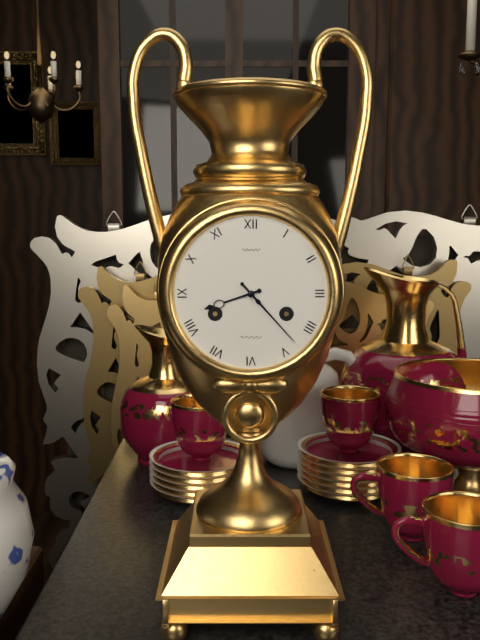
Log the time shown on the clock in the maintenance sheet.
8:23
